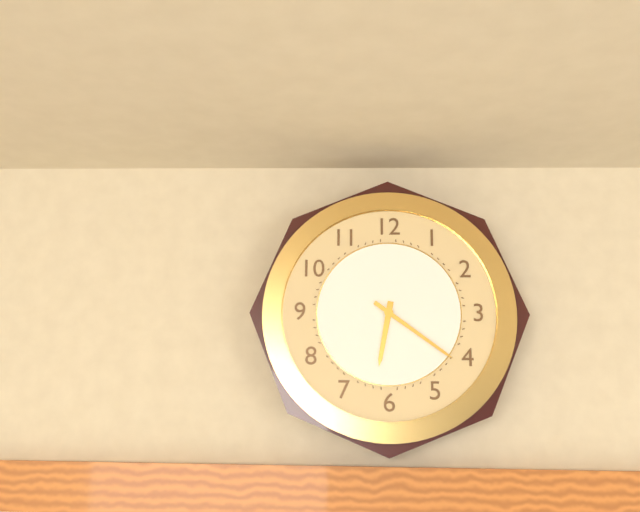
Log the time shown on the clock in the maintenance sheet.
6:21
